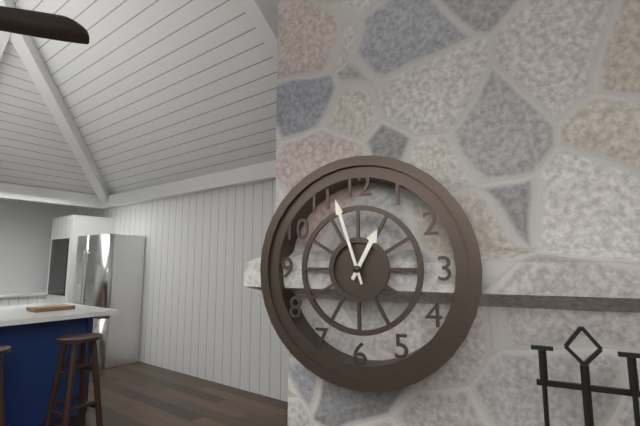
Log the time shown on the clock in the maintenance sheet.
12:57
